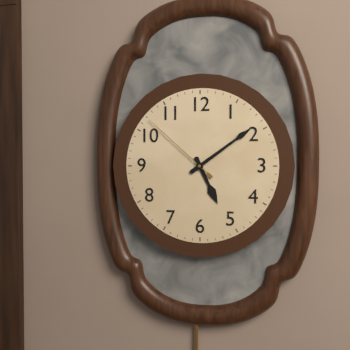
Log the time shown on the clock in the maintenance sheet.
5:09:52
